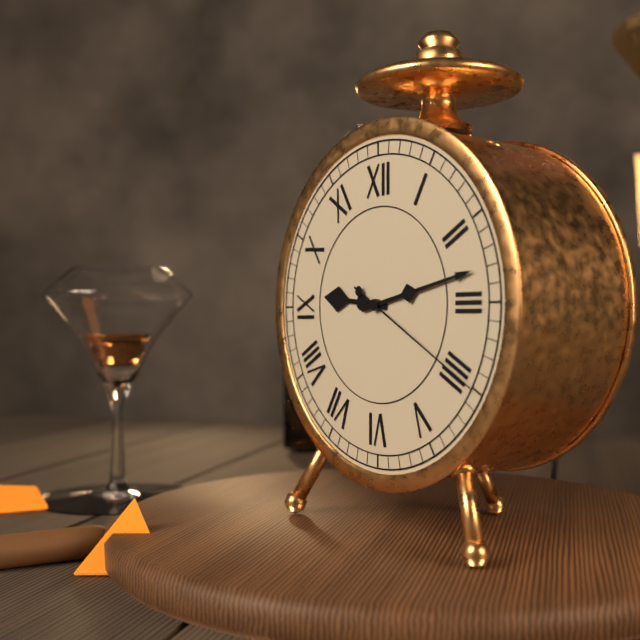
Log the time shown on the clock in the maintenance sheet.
9:13:20
